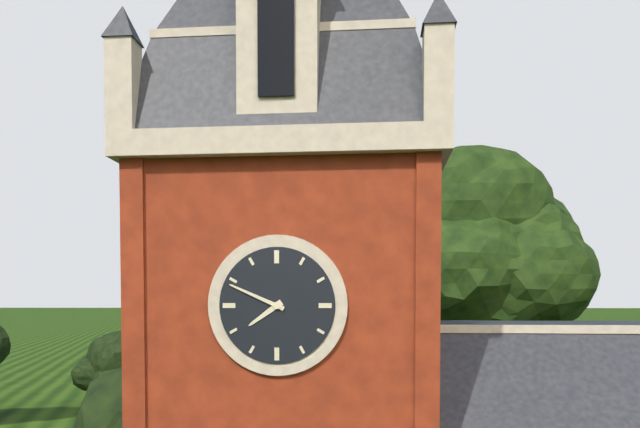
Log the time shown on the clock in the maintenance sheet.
7:49
